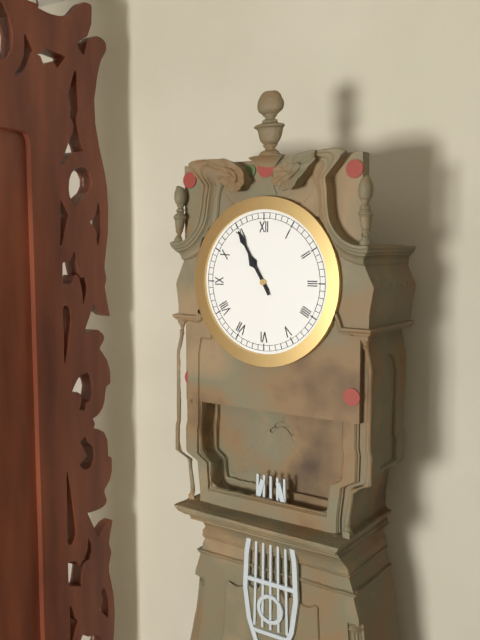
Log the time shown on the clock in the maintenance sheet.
10:55
